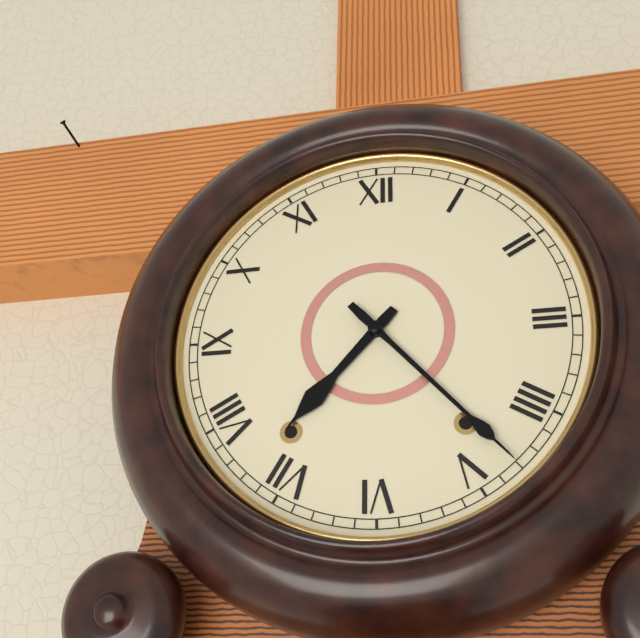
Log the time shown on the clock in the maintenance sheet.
7:23
